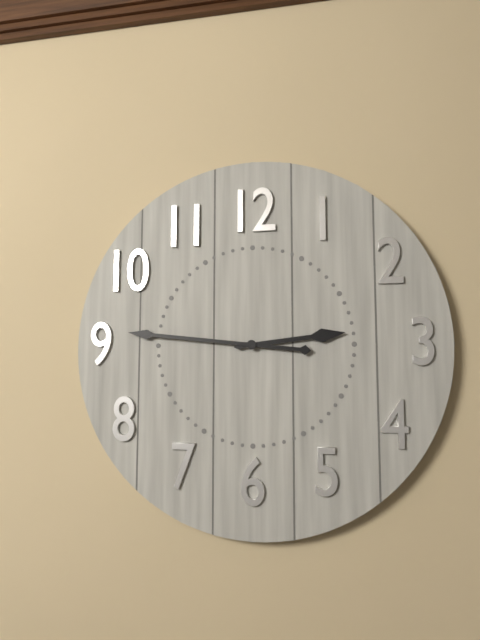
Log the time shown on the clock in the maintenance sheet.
2:46
